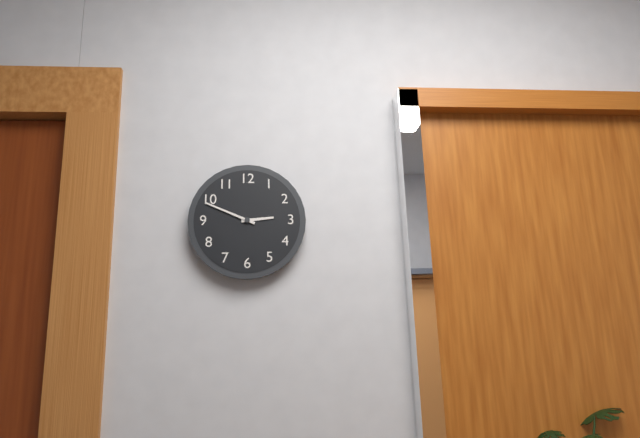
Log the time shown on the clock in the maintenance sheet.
2:49
